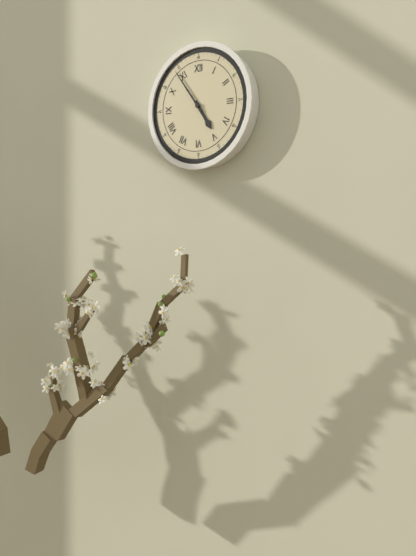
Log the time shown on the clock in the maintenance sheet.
4:54
